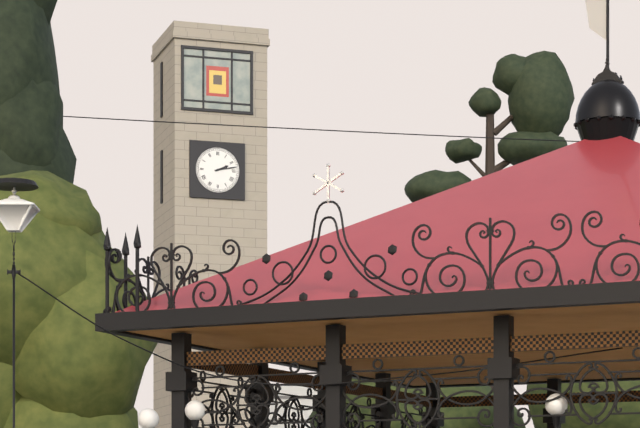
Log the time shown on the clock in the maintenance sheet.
2:13
